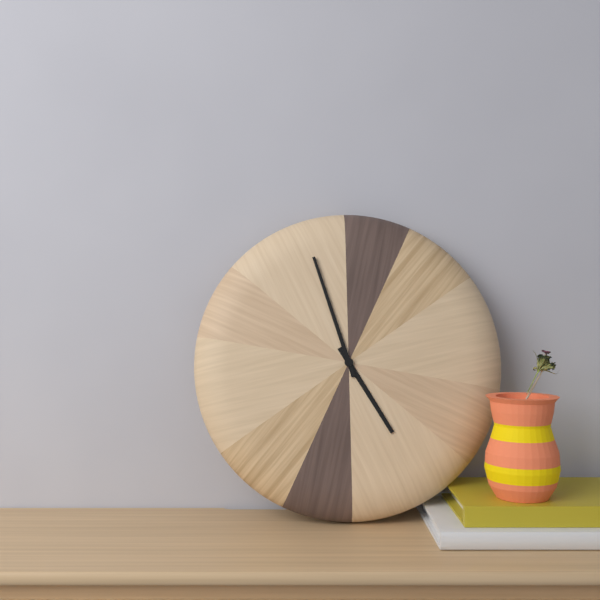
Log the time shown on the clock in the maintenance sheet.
4:57
